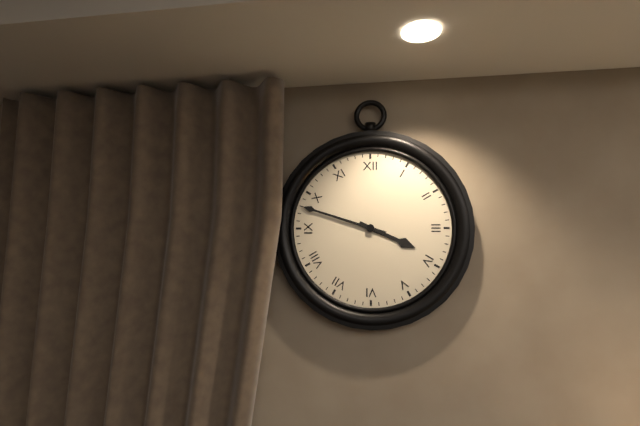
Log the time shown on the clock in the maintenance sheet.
3:48
